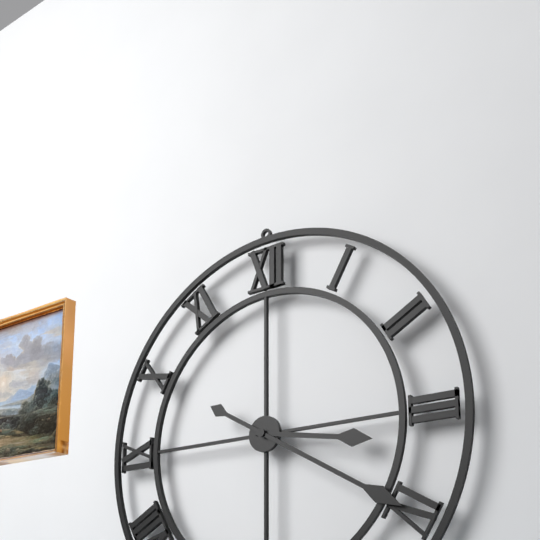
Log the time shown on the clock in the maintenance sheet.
3:20
